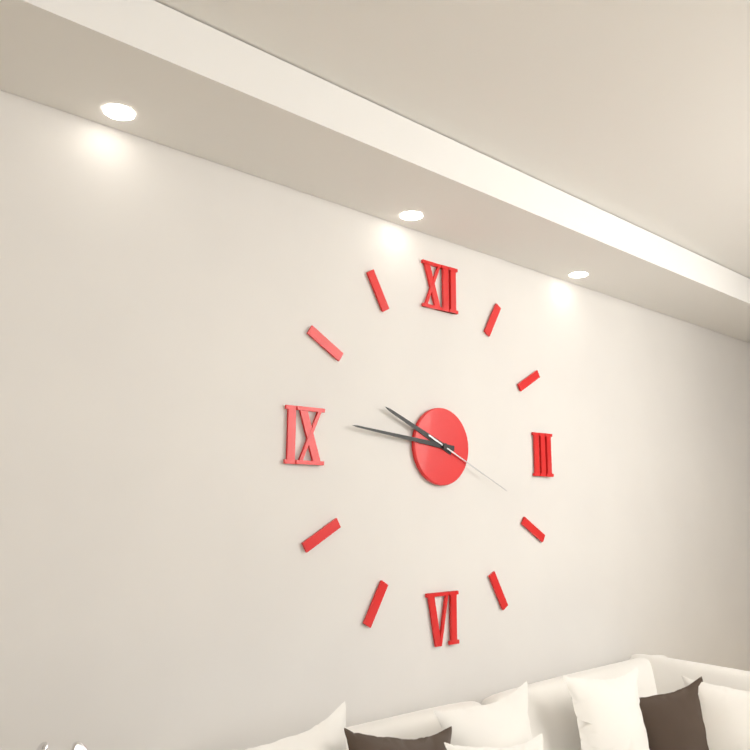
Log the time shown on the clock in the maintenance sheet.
9:46:19
